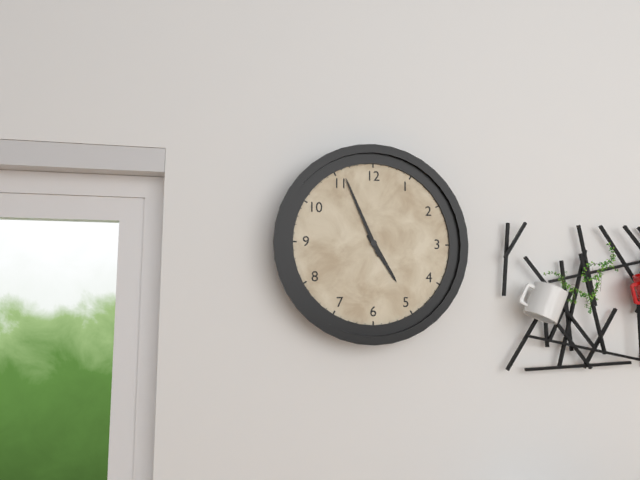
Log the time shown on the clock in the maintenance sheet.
4:56
